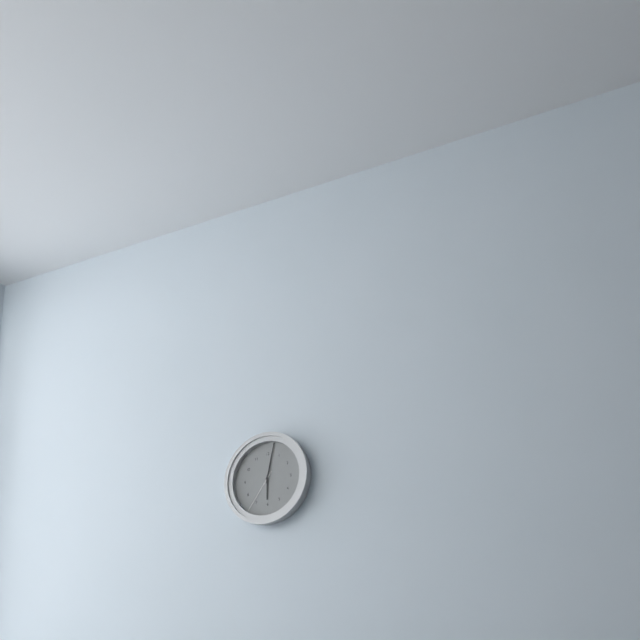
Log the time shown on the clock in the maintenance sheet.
6:02
